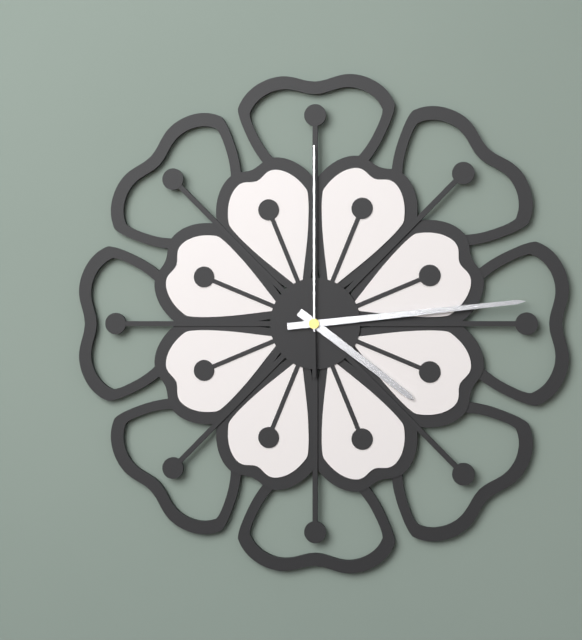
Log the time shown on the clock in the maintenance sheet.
4:14:00
